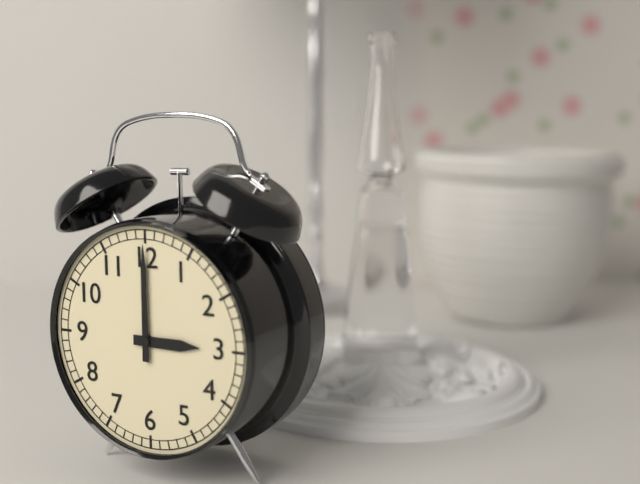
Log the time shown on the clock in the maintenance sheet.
3:00
